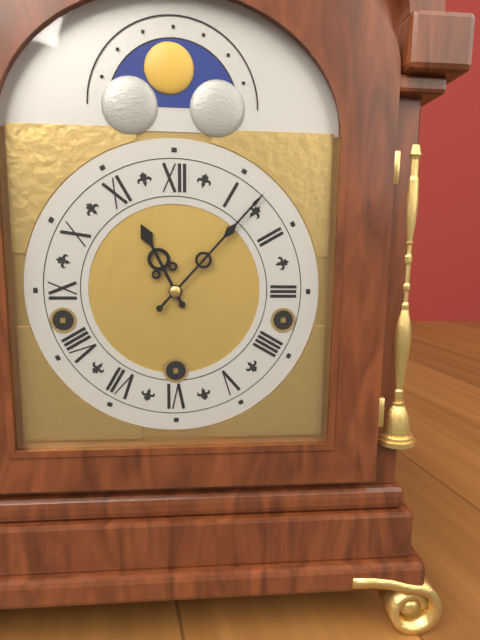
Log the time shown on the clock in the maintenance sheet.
11:07
